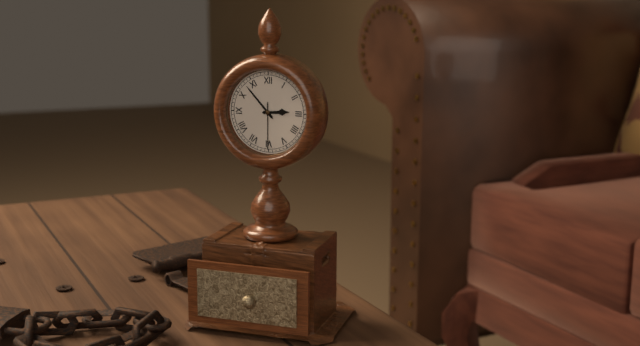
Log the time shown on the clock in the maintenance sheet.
2:53
